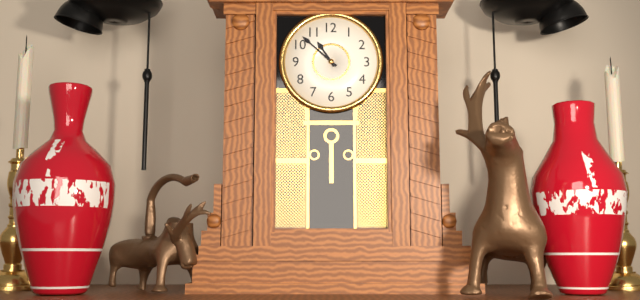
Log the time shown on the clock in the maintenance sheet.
10:52
